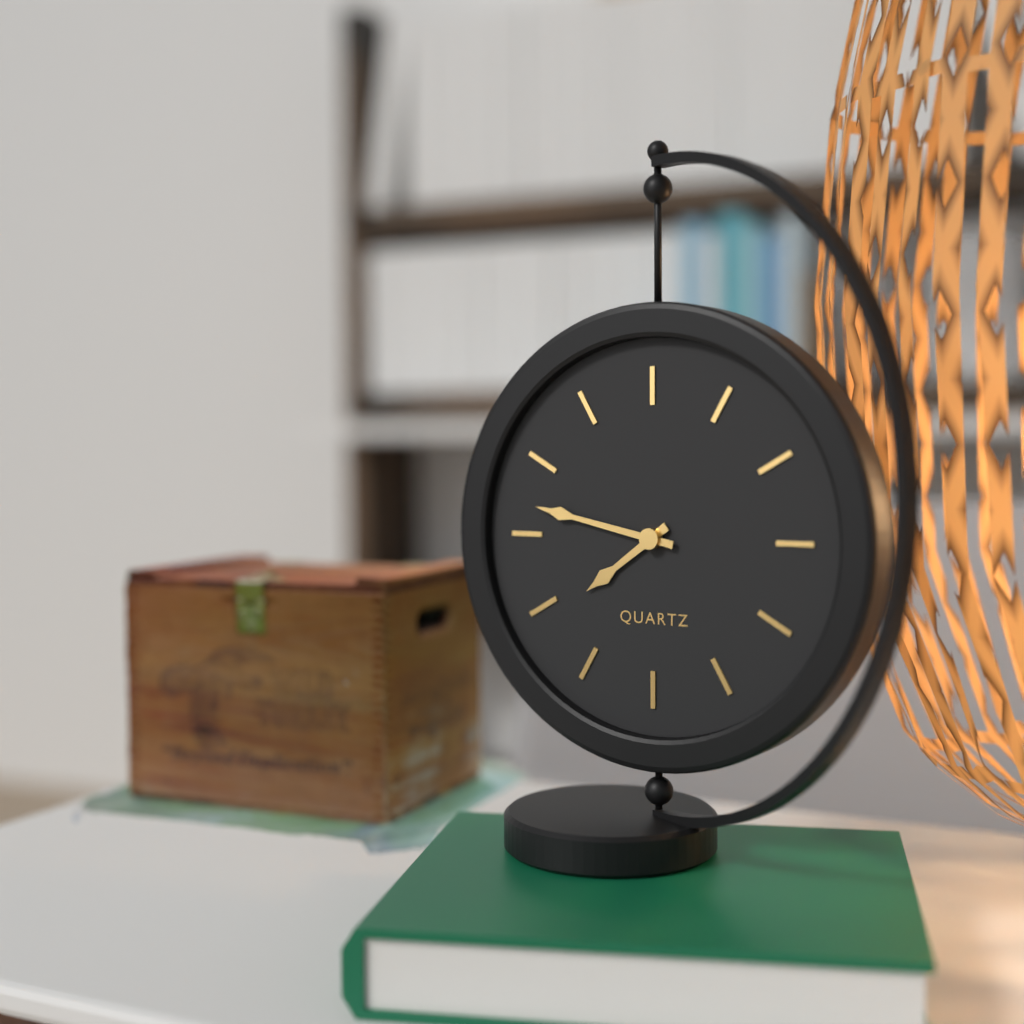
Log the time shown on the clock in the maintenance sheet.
7:47
